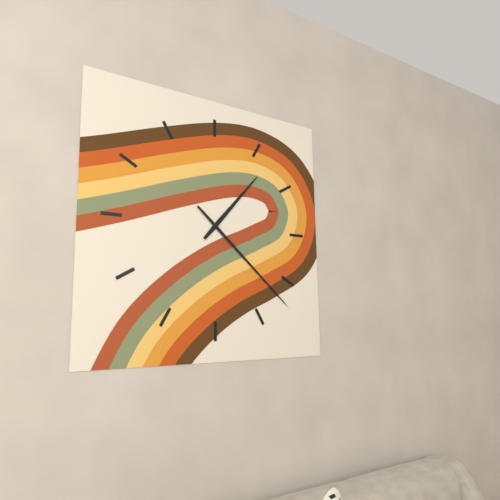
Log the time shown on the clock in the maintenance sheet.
1:22
